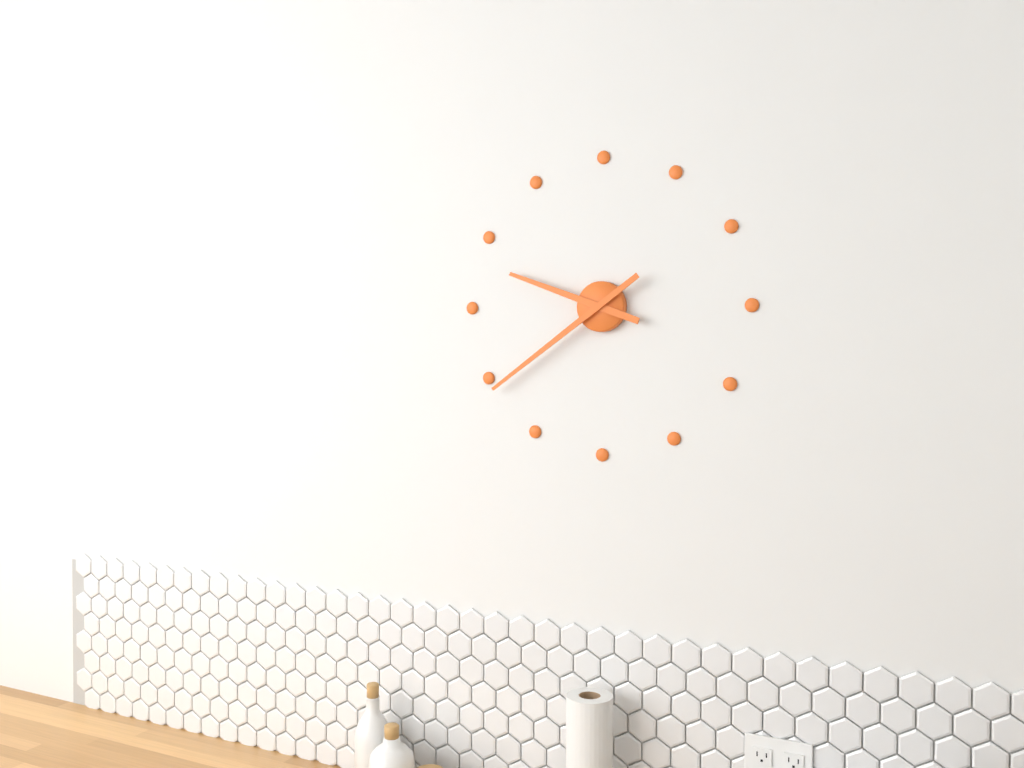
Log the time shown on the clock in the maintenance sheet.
9:39
